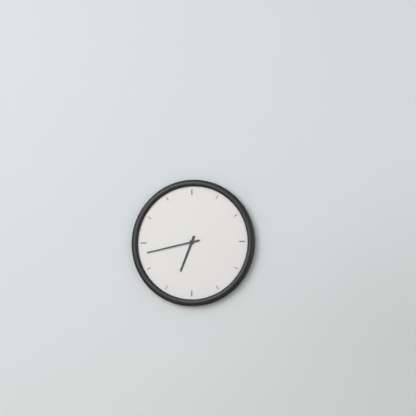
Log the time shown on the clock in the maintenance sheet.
6:43
